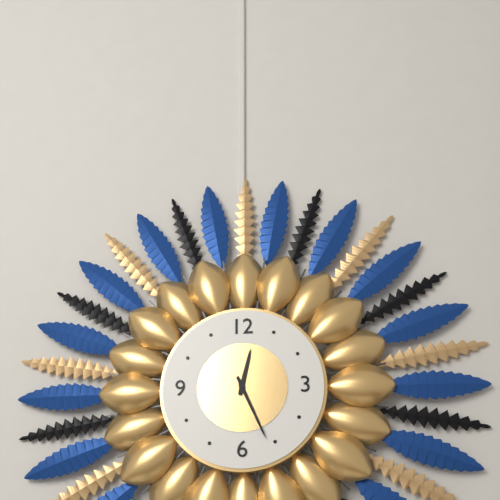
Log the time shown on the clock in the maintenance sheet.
12:26
